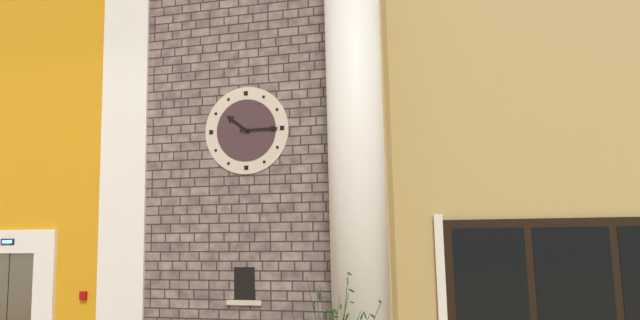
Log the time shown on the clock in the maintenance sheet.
10:15
